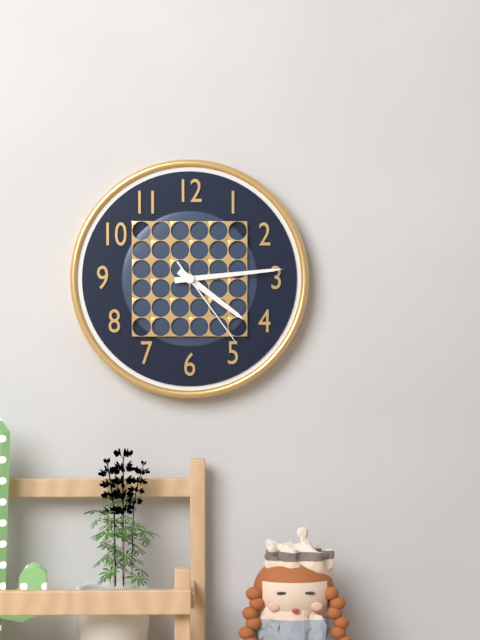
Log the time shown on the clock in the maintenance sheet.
4:14:24
